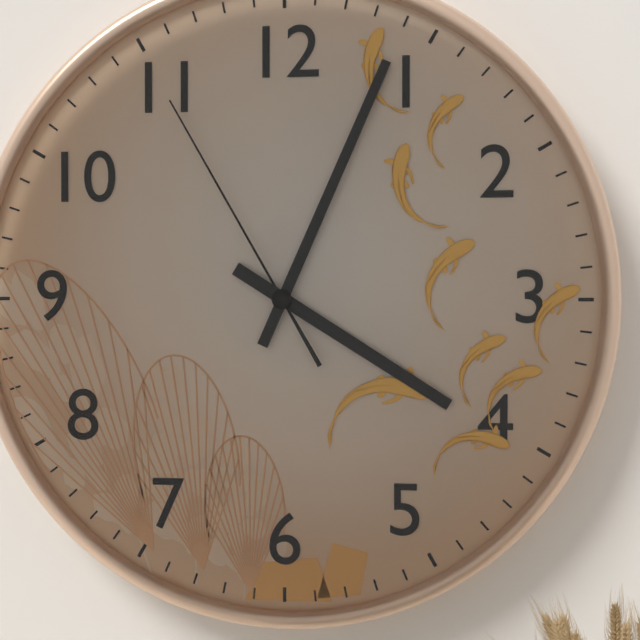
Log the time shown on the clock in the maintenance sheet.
4:04:55
